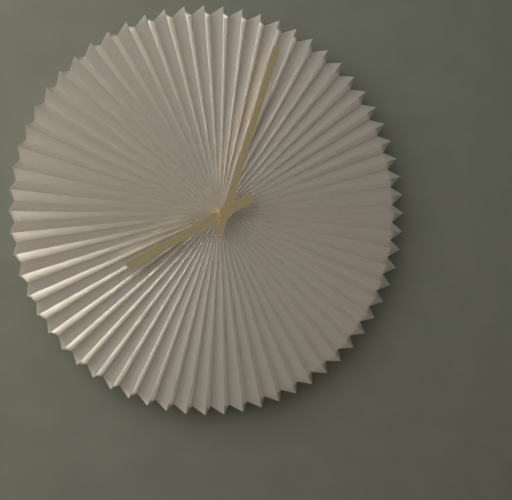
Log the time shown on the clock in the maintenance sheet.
8:03
